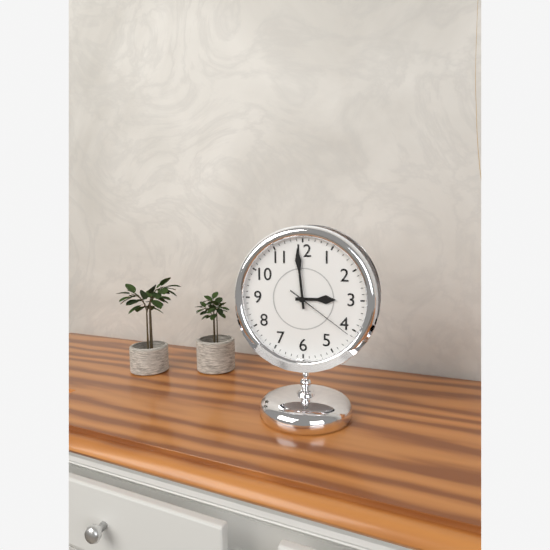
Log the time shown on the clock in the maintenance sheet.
2:59:21
